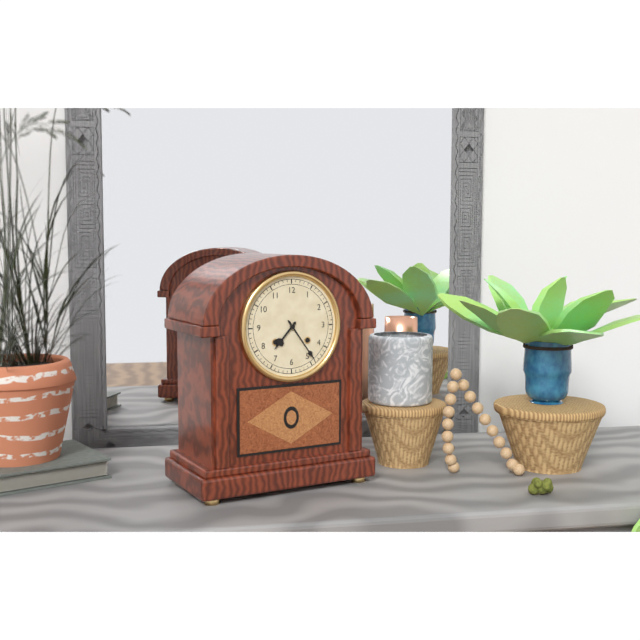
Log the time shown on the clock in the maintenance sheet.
7:24
